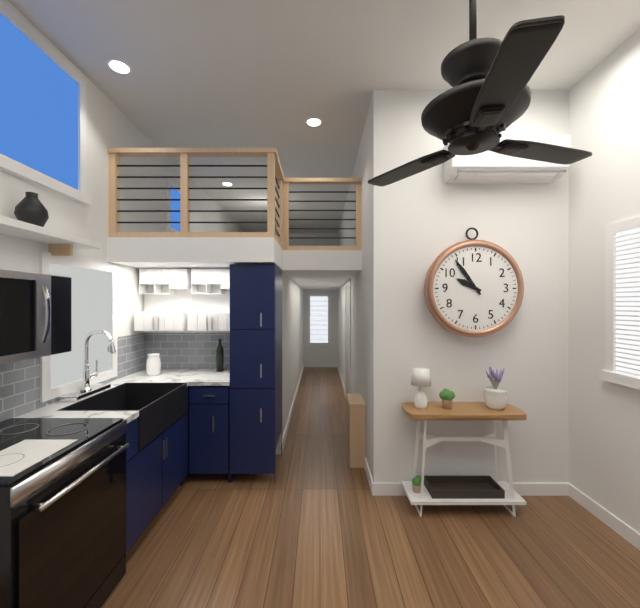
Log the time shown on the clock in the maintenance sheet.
9:54
